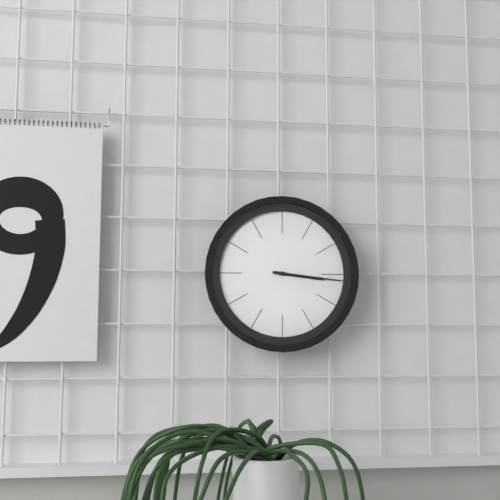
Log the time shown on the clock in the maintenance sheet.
3:16
